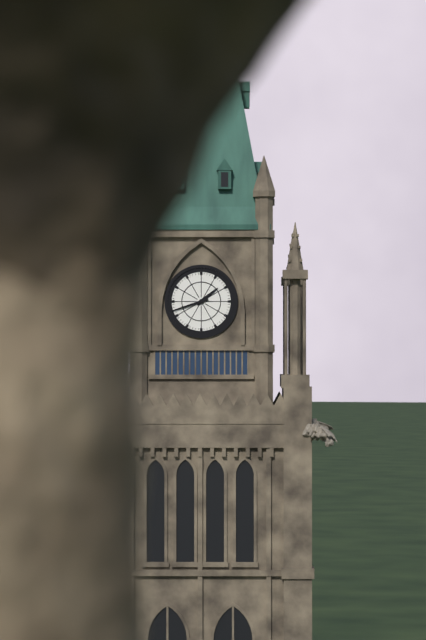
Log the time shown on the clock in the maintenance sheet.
1:42
